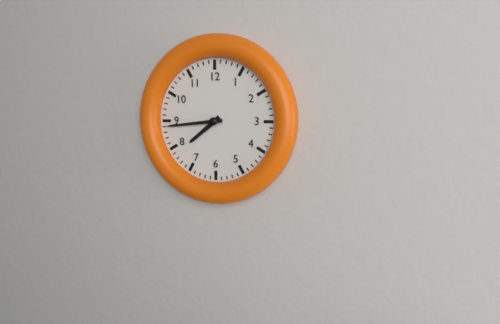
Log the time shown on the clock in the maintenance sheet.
7:44
